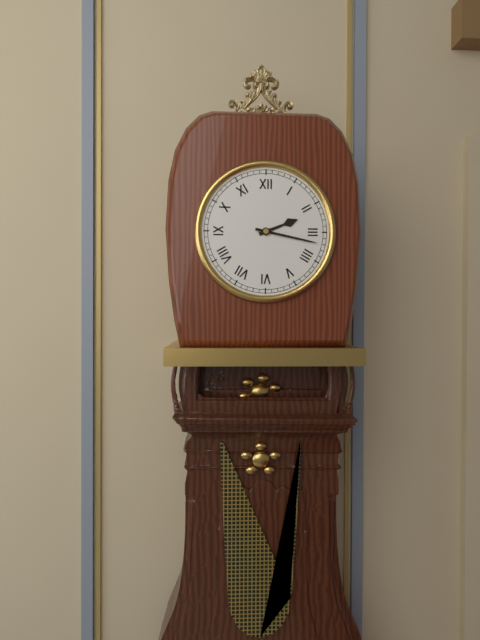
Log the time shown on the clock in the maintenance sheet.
2:17
